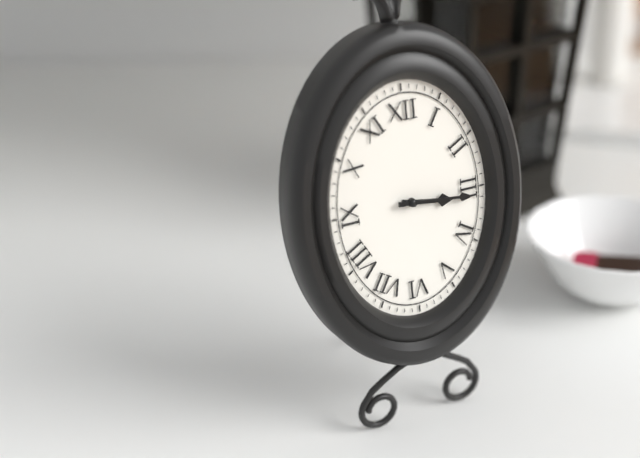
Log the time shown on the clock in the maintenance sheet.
3:16
